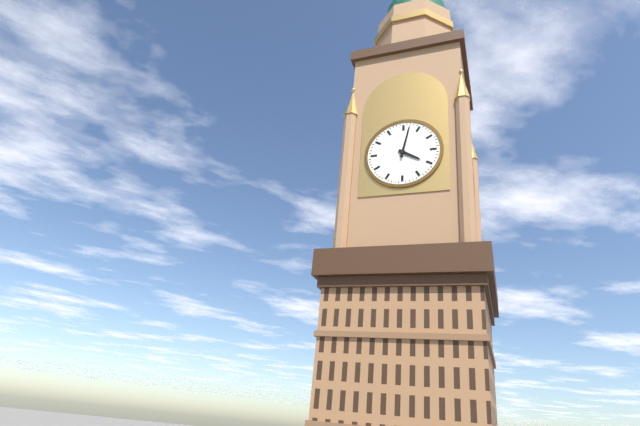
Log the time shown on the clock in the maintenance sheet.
4:02
